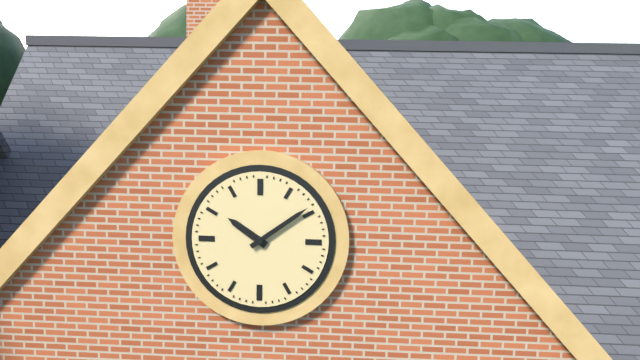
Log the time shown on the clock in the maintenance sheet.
10:09
